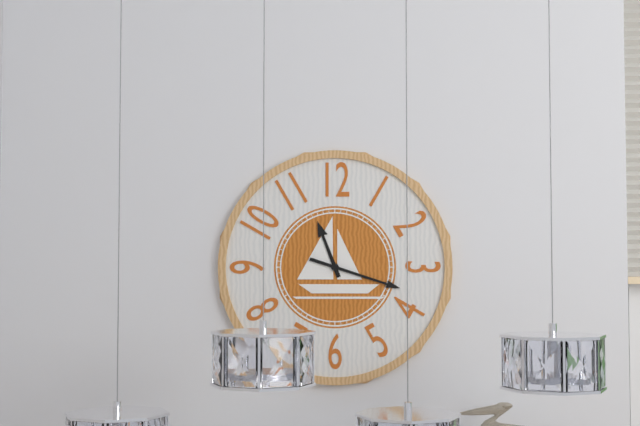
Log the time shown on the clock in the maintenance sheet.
11:18
